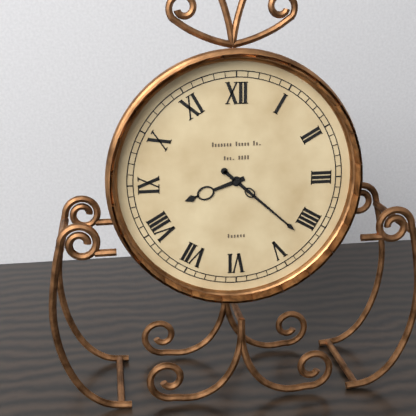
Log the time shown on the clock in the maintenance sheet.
8:22
